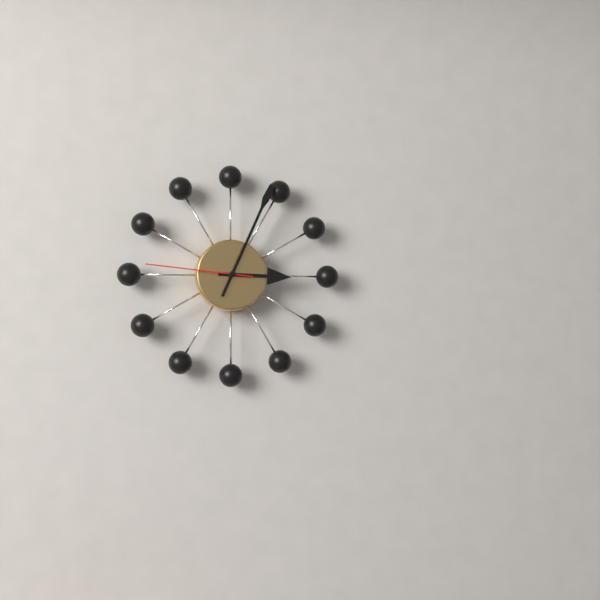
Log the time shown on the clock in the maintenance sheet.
3:04:46
